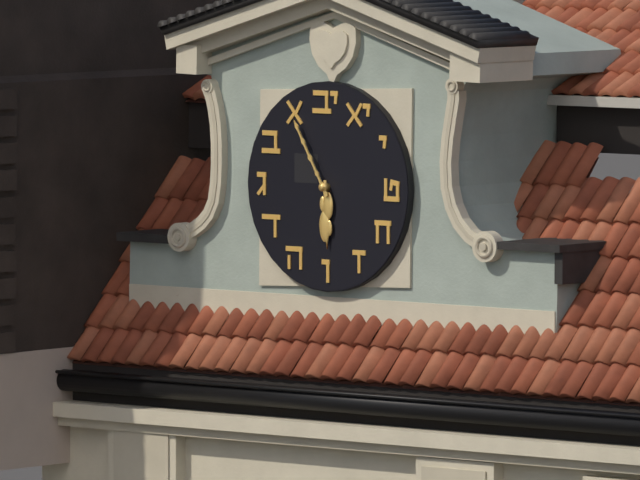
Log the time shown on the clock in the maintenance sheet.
5:55
